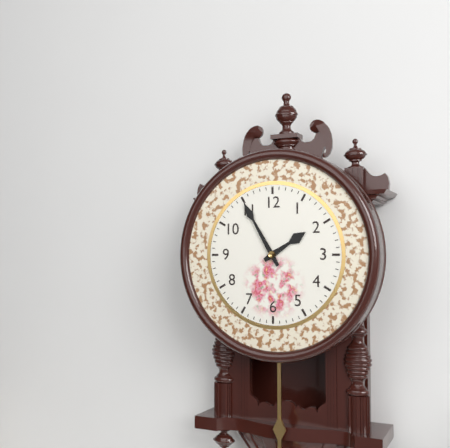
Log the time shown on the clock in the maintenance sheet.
1:55
